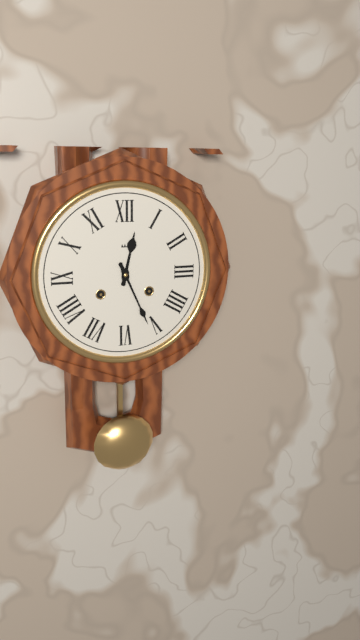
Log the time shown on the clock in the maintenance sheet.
12:26
